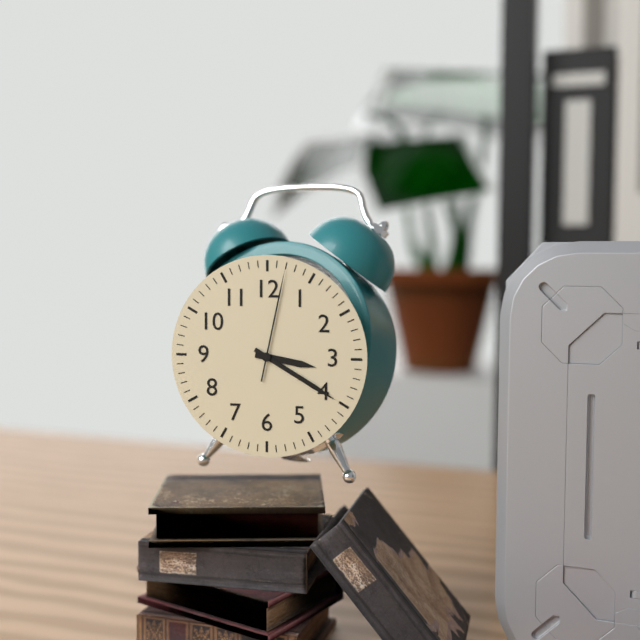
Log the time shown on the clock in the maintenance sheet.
3:20:02
